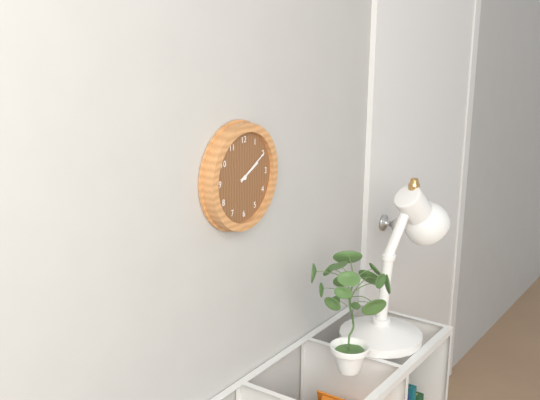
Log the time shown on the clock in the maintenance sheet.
2:10
